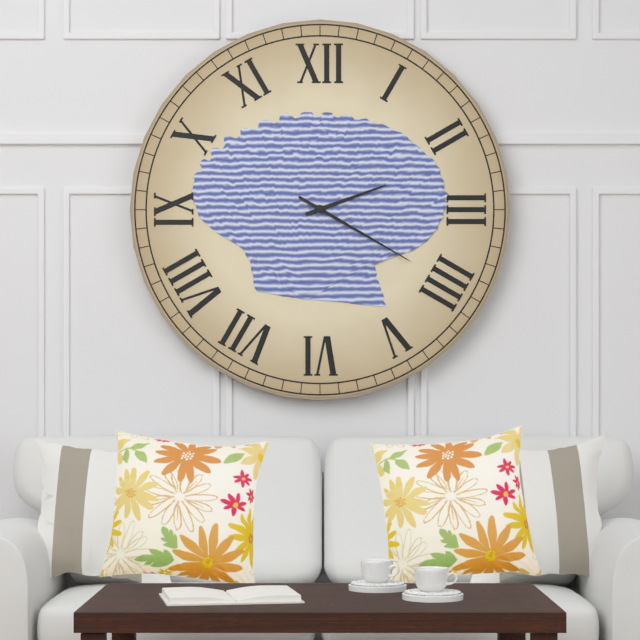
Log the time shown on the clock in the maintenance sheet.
2:20
